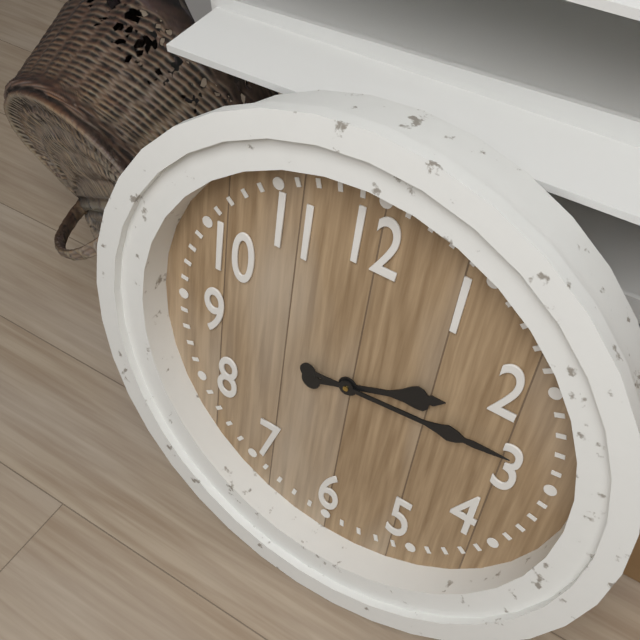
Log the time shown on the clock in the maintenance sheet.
2:14
